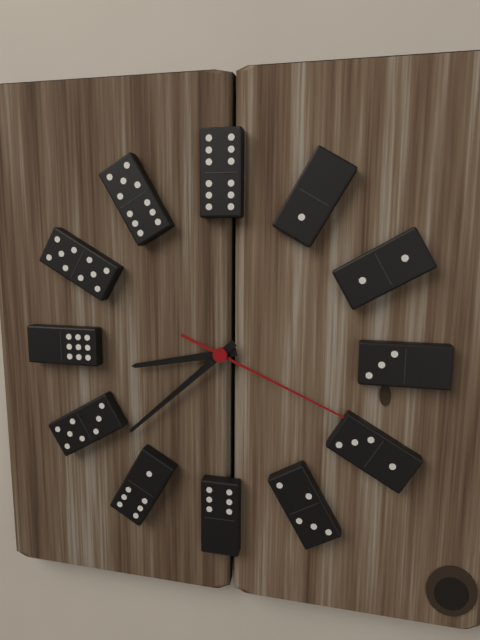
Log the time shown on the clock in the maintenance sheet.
8:38:19
